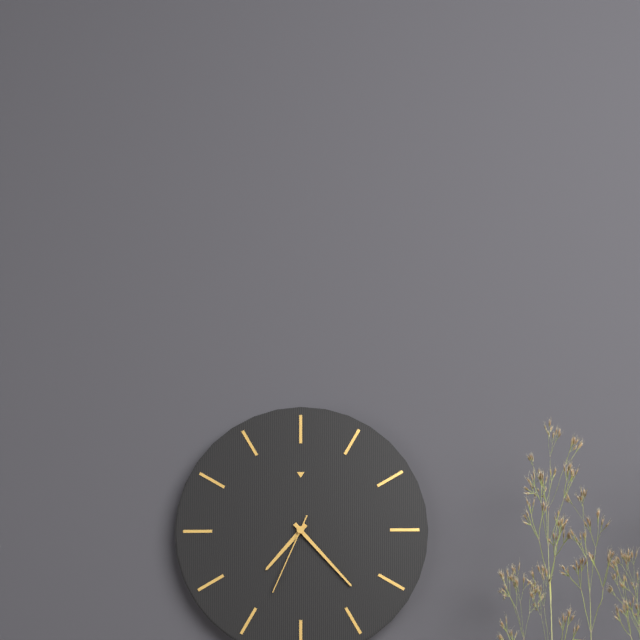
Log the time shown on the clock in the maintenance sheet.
7:23:34
